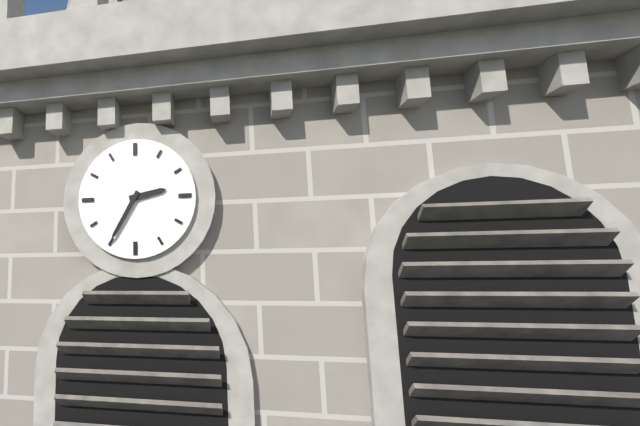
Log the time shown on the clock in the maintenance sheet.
2:35
